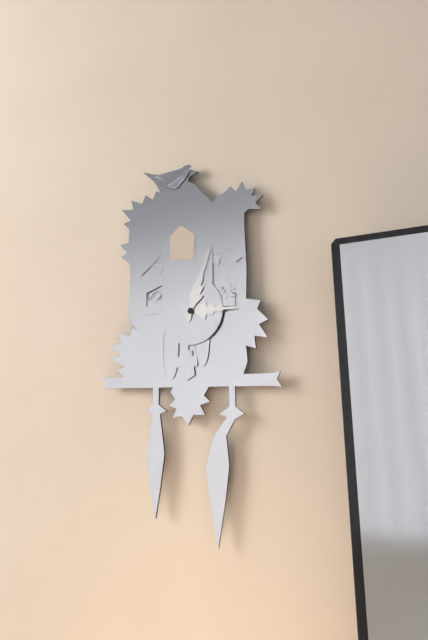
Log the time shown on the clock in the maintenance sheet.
3:03
